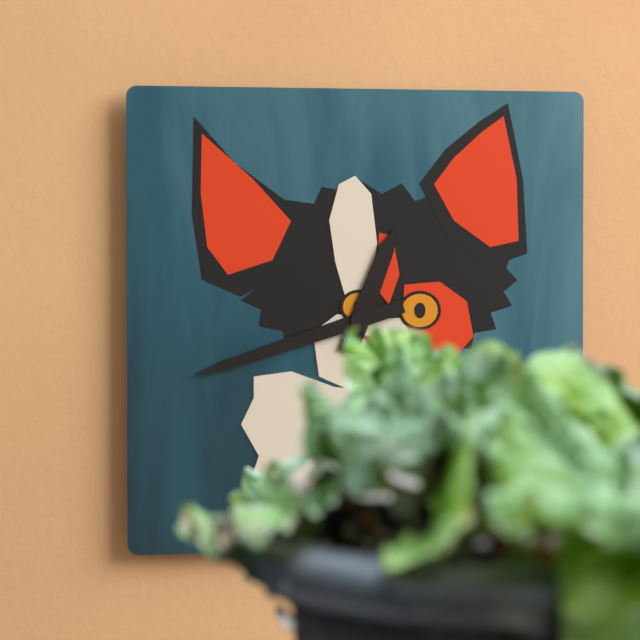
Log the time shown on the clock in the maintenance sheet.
12:42
